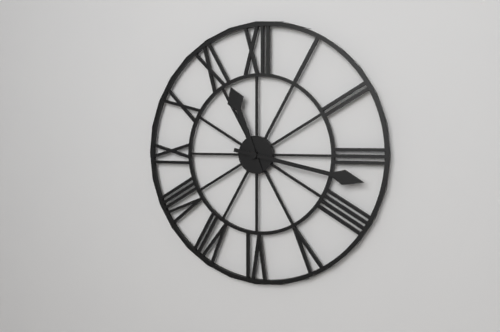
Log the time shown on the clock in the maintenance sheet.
11:17
